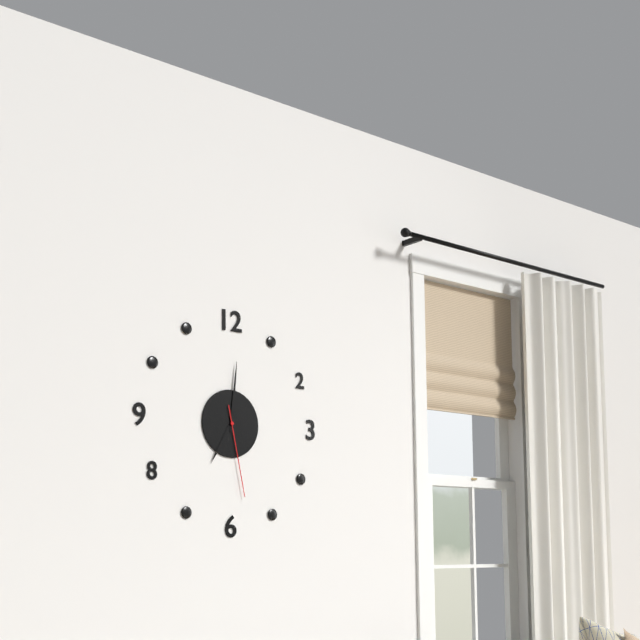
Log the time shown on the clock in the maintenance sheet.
7:01:28
